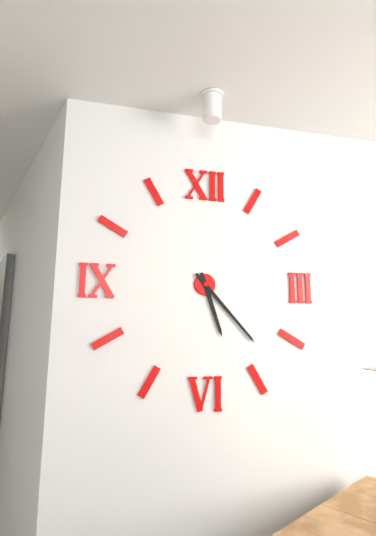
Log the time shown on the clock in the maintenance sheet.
5:23
